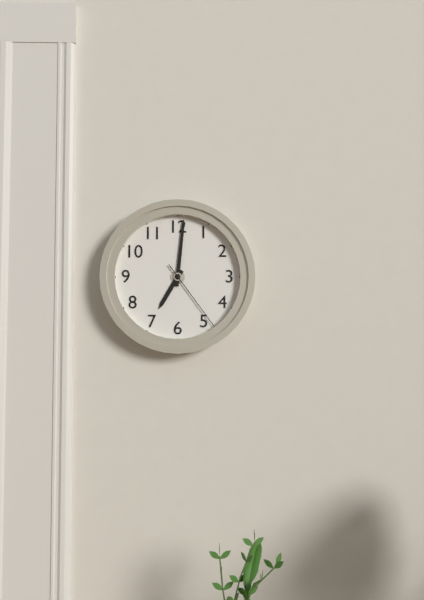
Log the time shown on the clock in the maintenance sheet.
7:01:24
